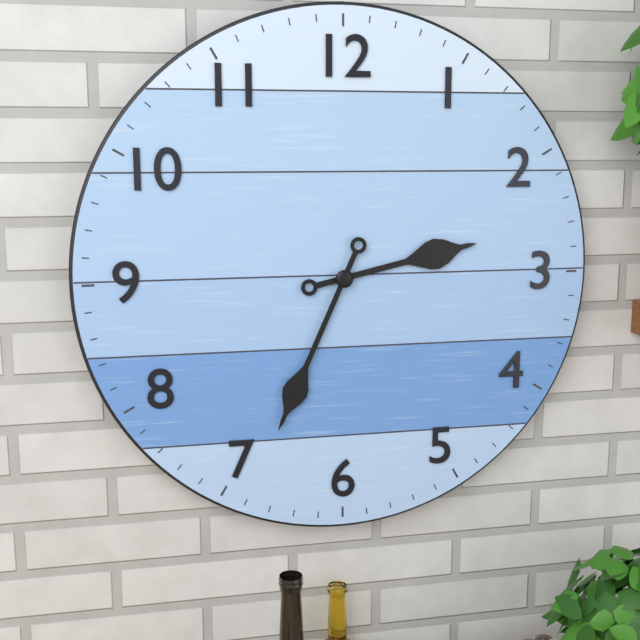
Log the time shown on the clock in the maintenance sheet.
2:34
